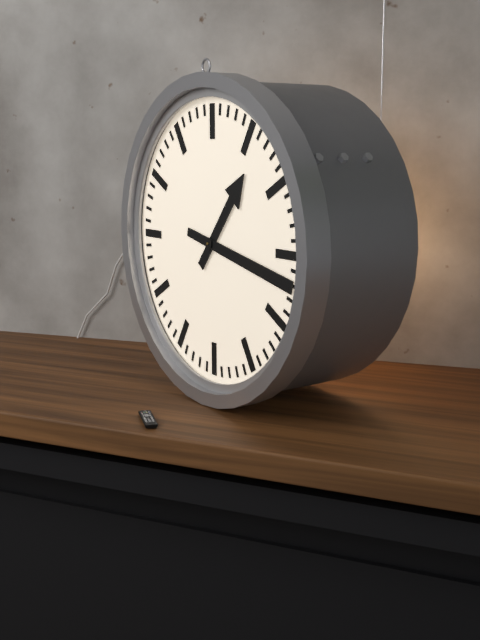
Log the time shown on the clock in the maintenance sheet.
1:17
